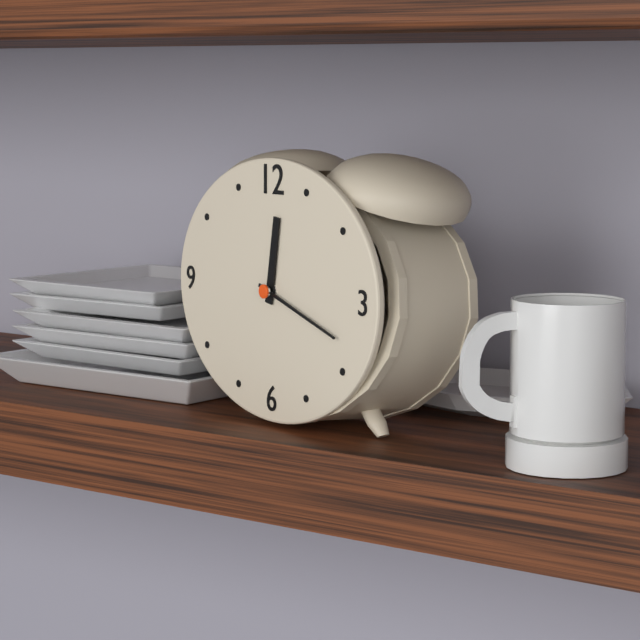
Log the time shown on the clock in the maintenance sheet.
12:18
